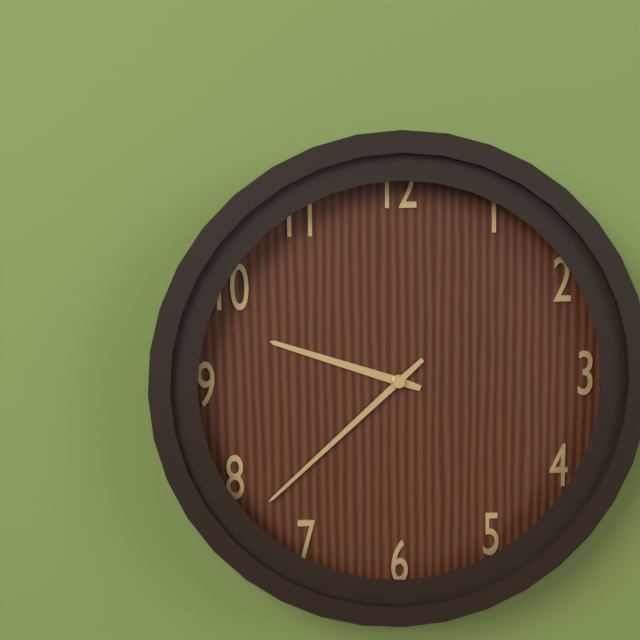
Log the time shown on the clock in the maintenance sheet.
9:38
